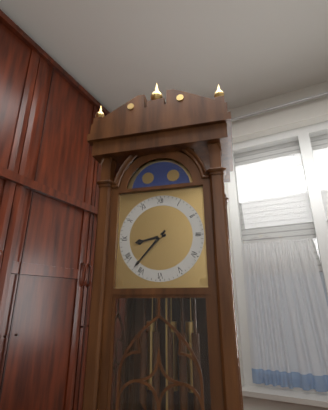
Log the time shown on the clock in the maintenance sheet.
8:37
